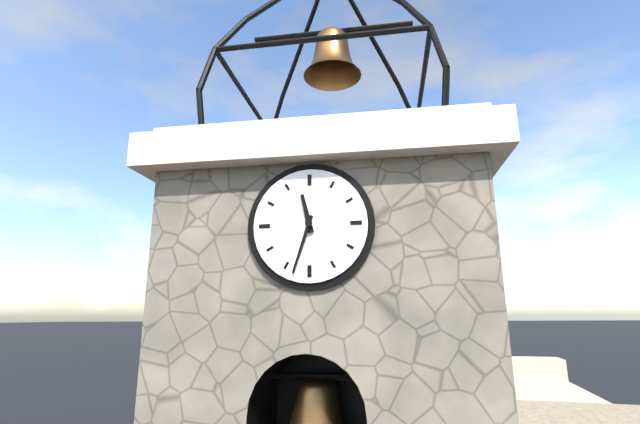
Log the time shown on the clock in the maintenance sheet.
11:33
